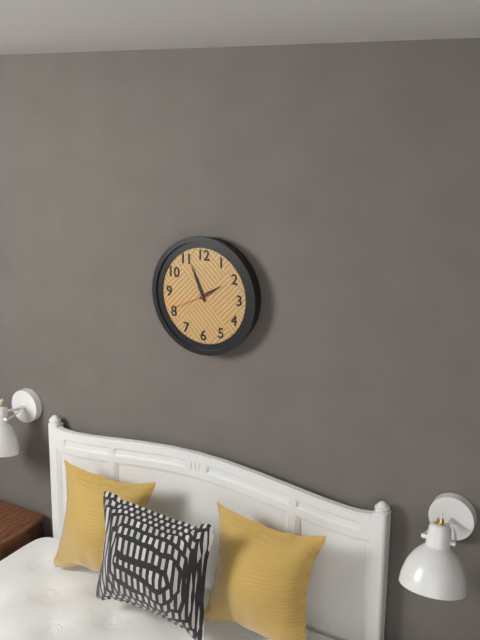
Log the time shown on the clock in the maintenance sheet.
1:56
